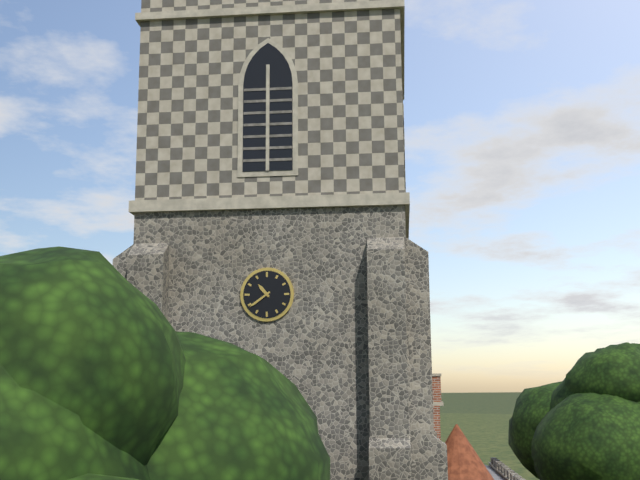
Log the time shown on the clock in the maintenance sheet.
10:39
